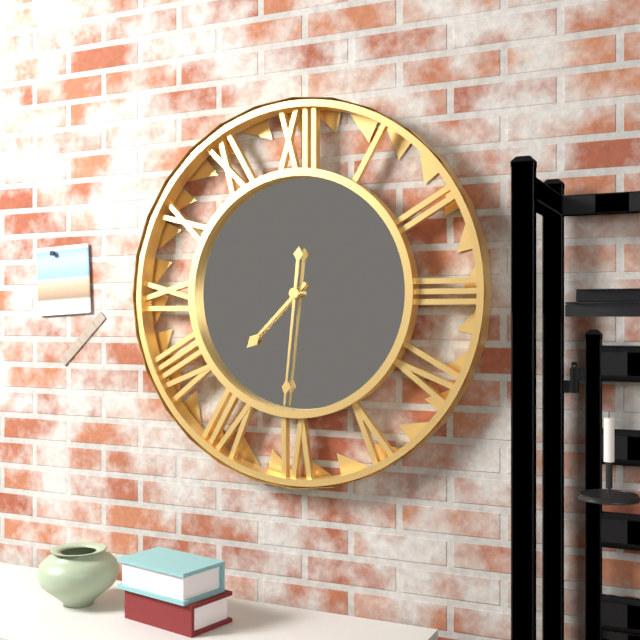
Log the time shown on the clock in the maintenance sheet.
7:31
